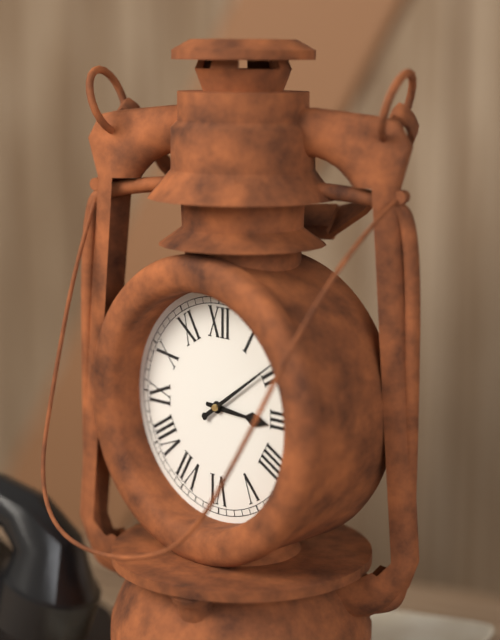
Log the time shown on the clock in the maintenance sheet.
3:09
